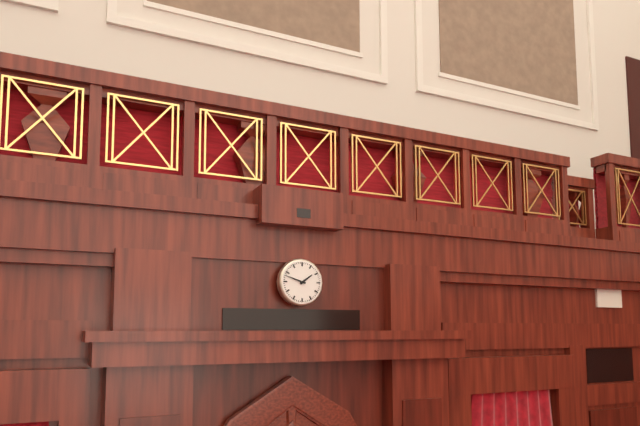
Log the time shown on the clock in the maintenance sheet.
1:48
